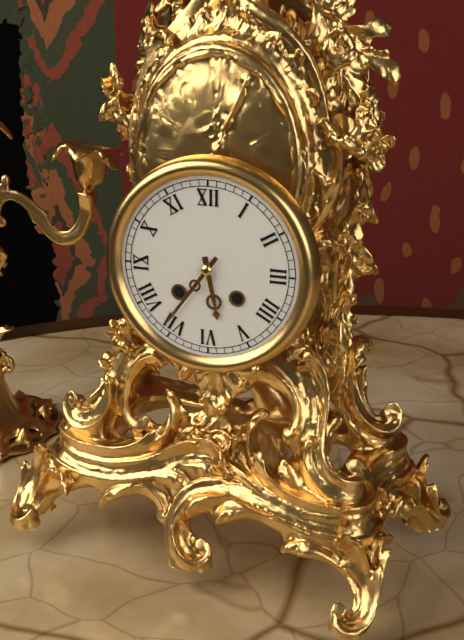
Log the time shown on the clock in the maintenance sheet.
5:36
